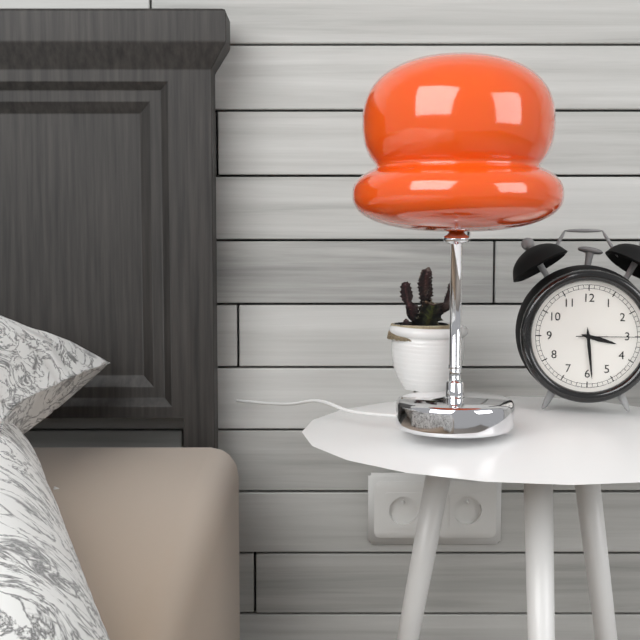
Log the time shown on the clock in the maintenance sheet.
3:29:15
